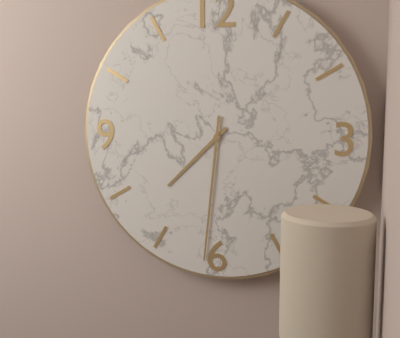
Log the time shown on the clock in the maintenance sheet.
7:31
